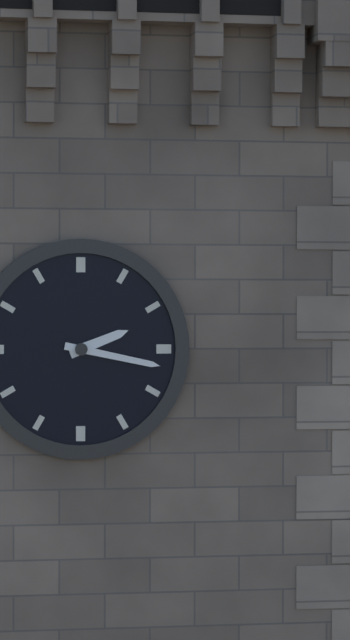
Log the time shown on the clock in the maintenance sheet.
2:17
